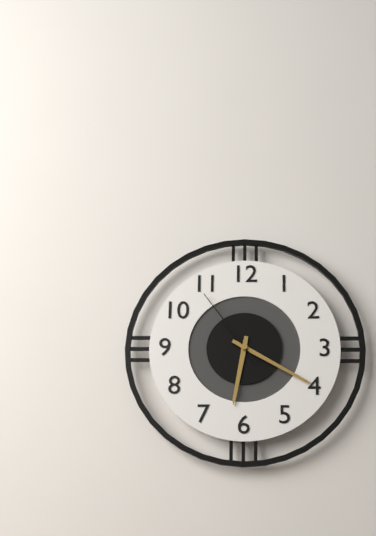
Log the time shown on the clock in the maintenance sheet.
6:20:54
